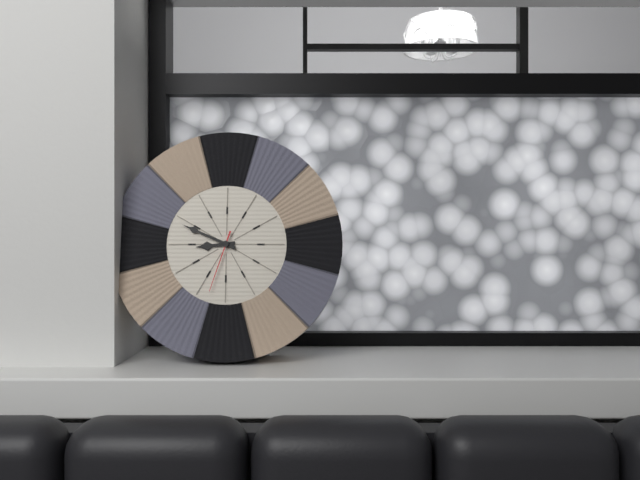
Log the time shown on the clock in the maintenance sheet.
8:49:33
